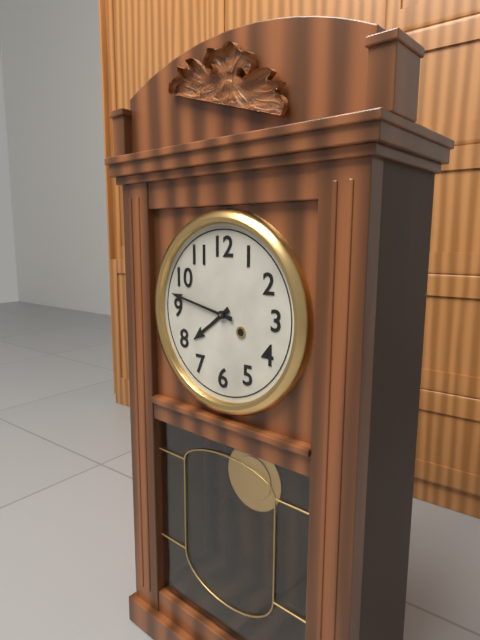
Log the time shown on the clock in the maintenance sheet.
7:47
